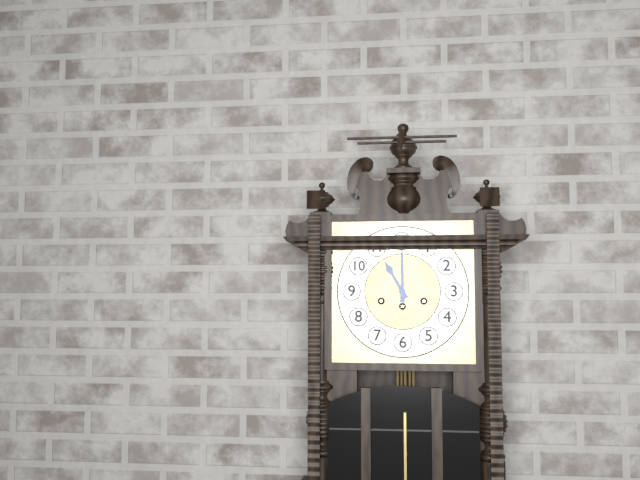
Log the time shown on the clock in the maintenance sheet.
11:00
